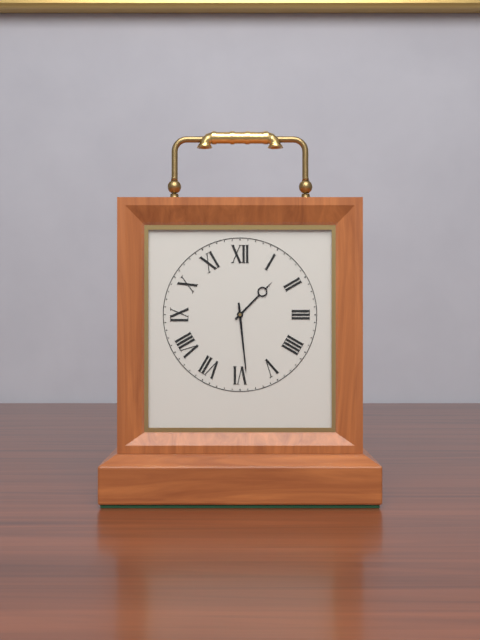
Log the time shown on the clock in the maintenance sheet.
1:29
